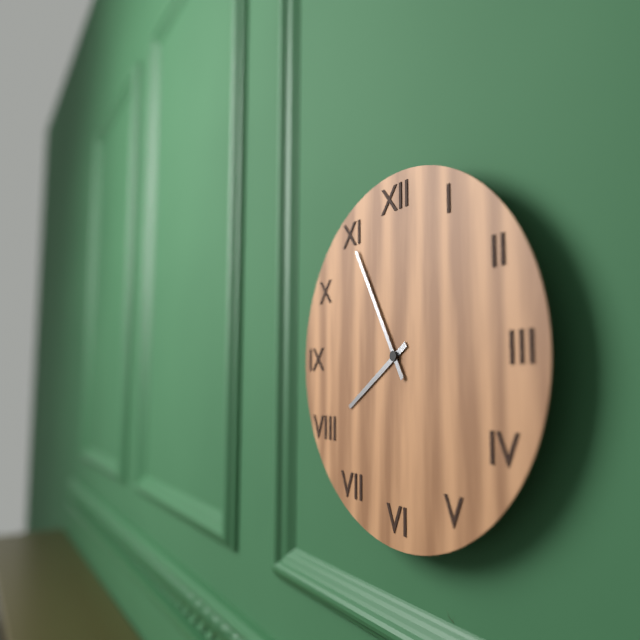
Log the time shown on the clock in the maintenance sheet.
7:55
